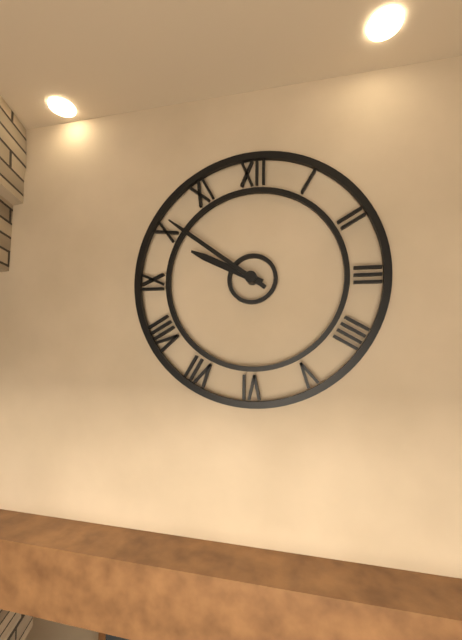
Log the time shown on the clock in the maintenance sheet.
9:51
